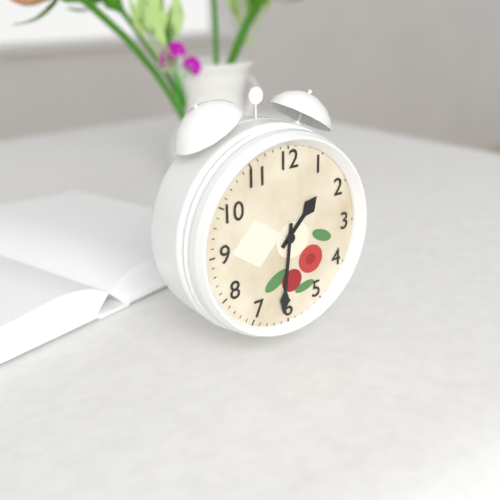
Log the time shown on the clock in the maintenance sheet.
1:31
